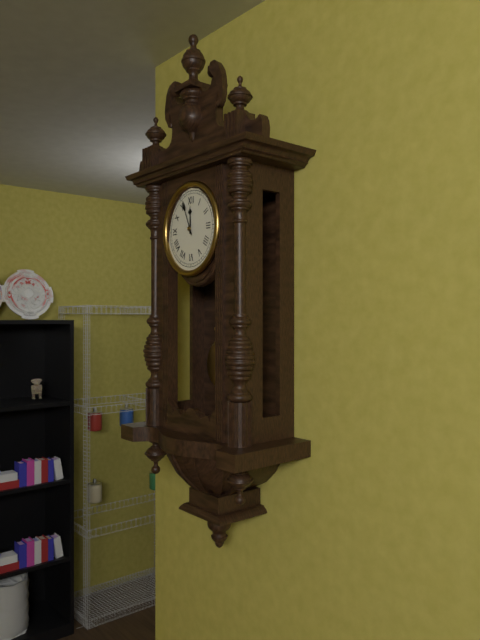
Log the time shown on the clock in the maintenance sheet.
11:56
